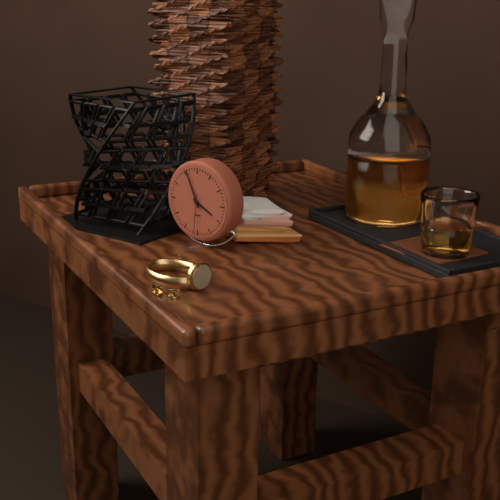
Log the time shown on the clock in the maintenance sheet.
3:56
